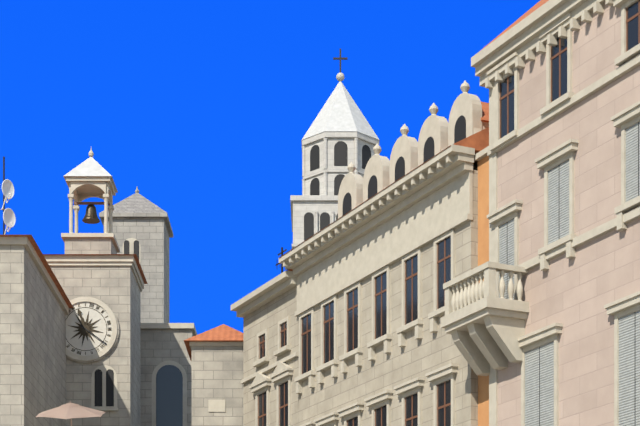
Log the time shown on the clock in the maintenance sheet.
11:21
